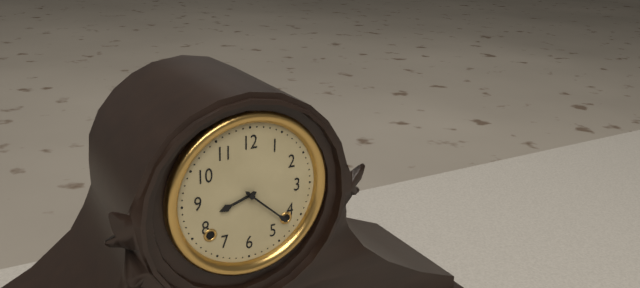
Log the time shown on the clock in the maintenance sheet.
8:22
